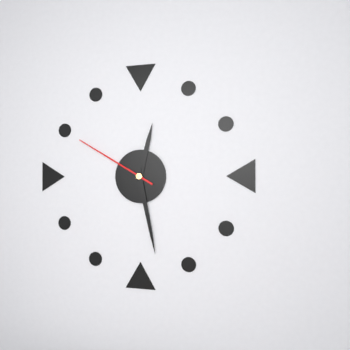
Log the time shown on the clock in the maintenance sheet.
12:28:50
